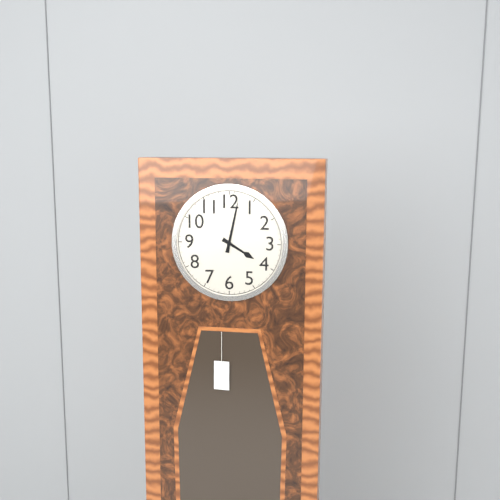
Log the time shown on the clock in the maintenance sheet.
4:02
